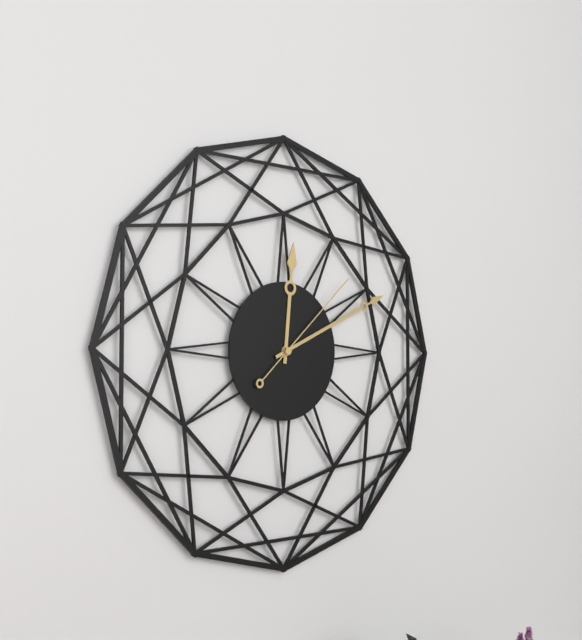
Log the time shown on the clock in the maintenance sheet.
12:11:08
